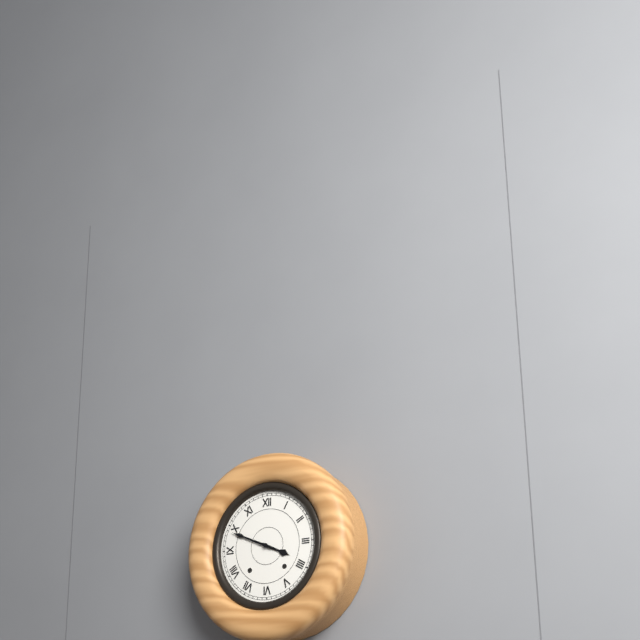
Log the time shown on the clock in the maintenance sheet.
3:49
